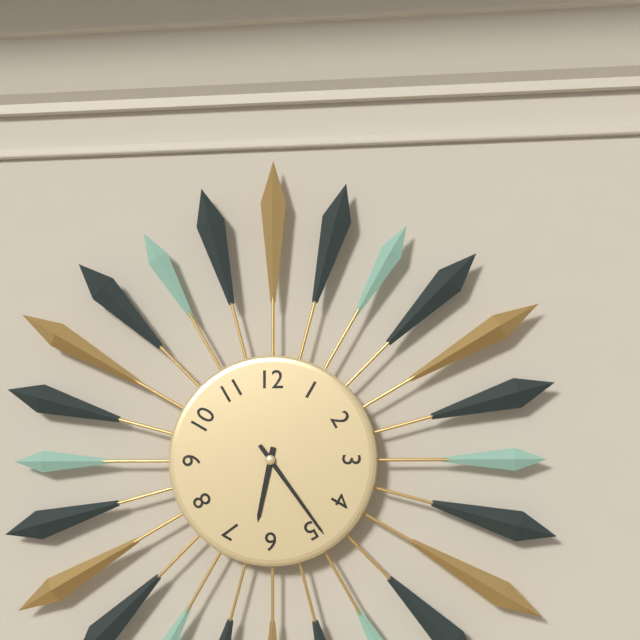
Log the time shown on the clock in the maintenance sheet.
6:24
